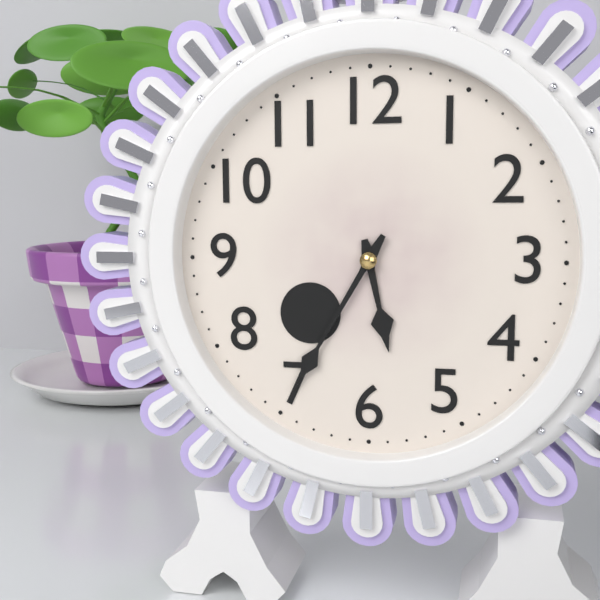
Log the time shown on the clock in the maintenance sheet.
5:35
